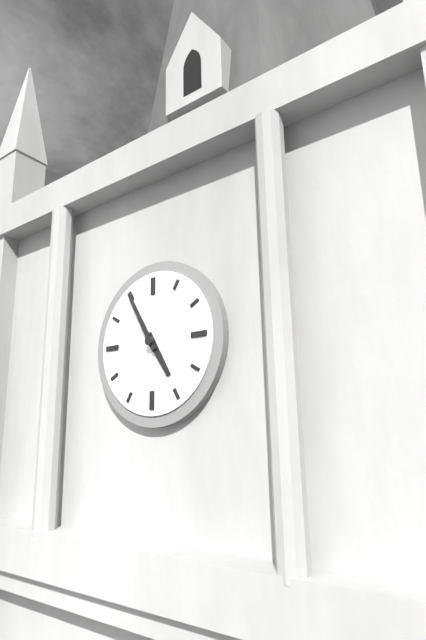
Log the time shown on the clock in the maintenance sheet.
4:55
